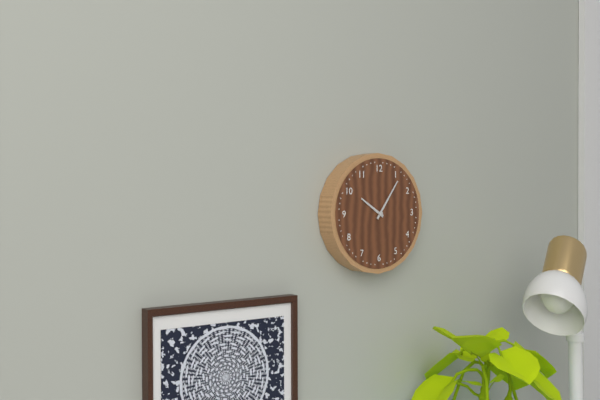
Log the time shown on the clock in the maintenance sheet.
10:06
